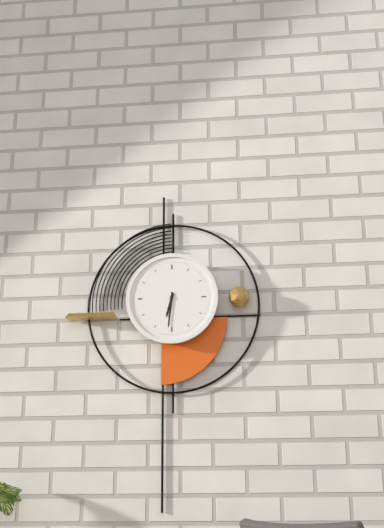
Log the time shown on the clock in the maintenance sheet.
6:31
